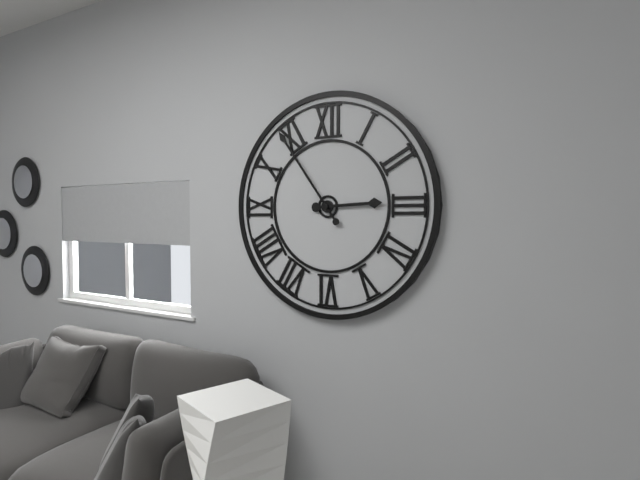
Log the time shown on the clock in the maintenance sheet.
2:54
